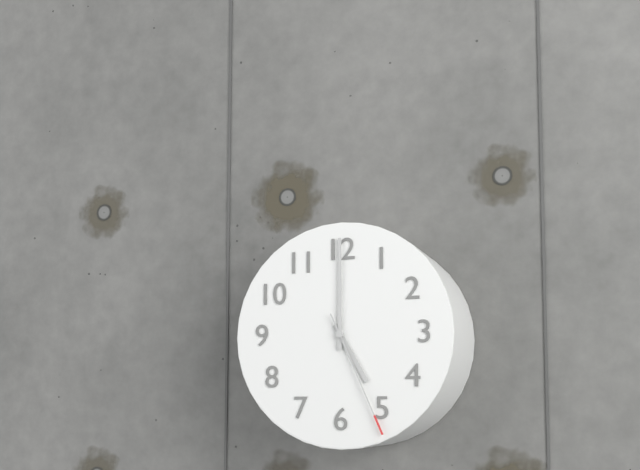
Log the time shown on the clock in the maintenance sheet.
5:00:26
